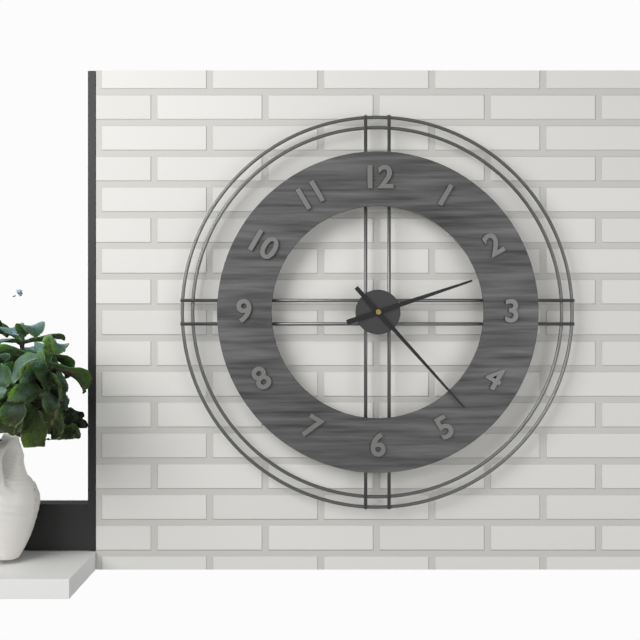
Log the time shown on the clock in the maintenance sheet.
2:23
